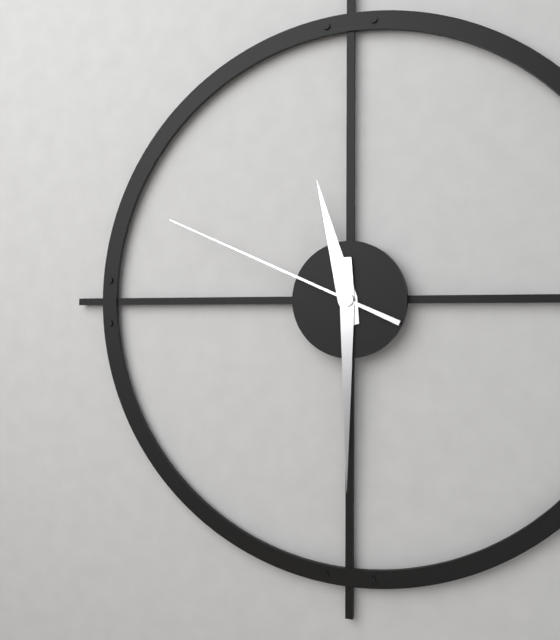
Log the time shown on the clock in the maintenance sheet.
11:30:49
